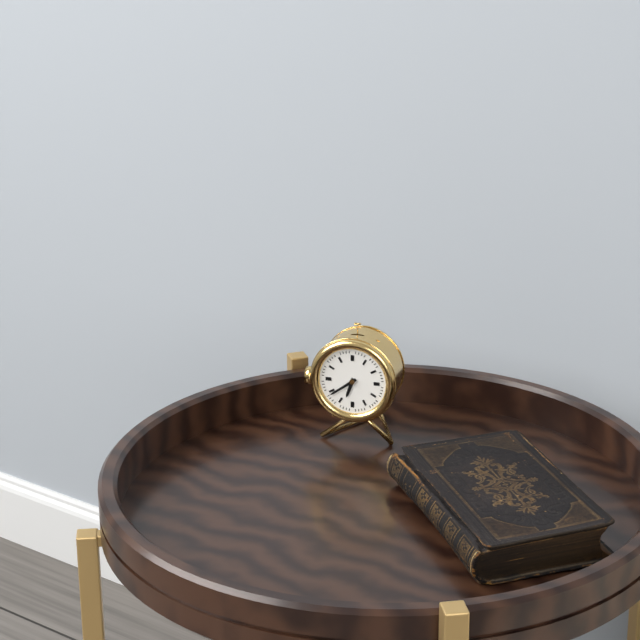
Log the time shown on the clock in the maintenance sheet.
6:39
